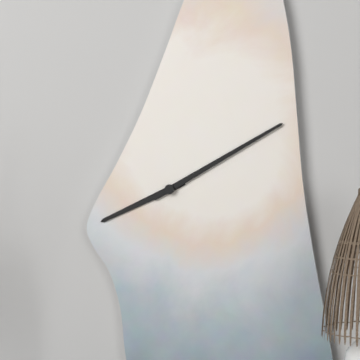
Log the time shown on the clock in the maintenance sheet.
8:10
